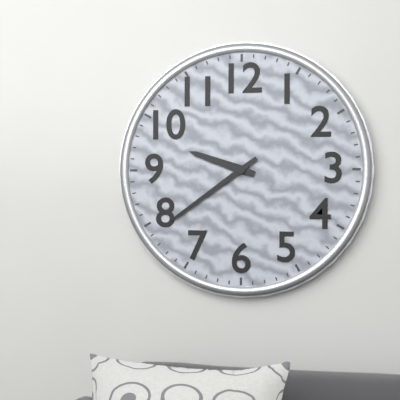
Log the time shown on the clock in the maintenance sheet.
9:39
